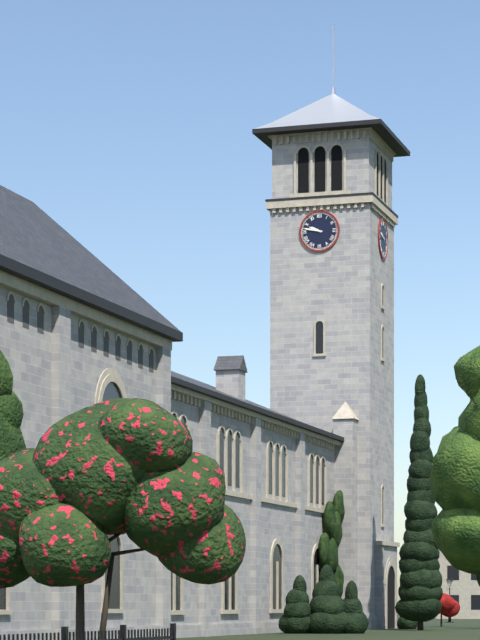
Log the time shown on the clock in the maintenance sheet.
9:47
